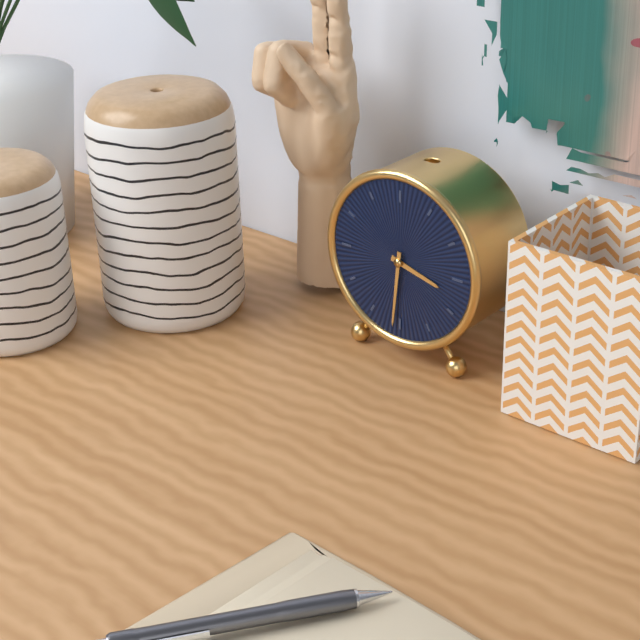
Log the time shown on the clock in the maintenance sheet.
3:31
